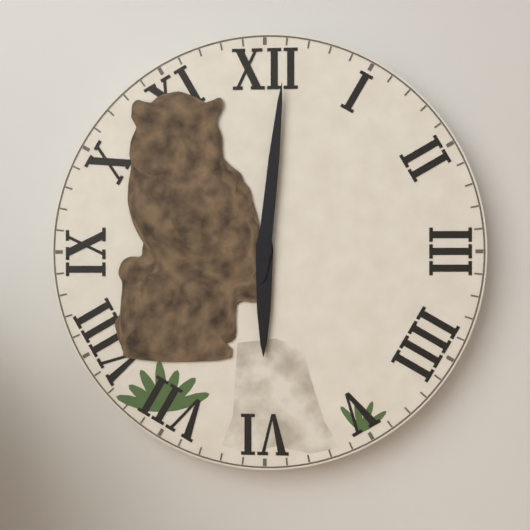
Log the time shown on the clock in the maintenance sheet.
6:01
